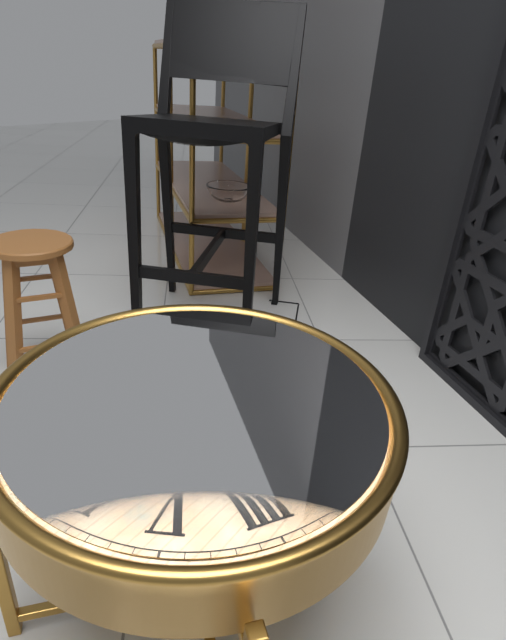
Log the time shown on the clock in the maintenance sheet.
1:24
